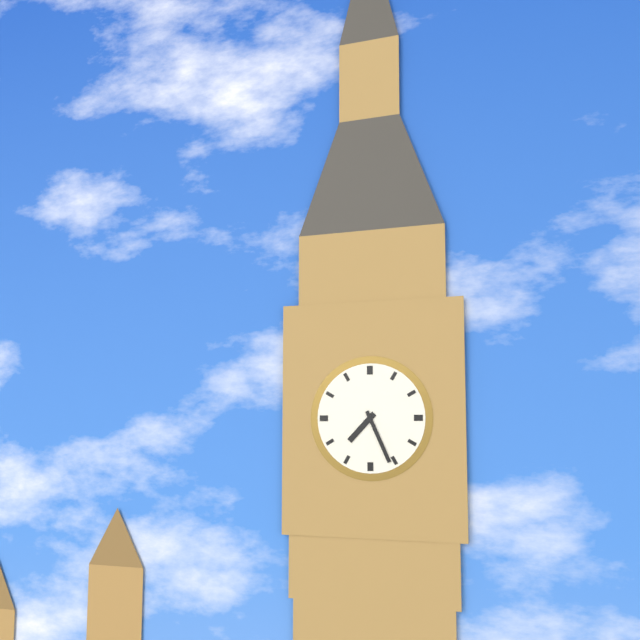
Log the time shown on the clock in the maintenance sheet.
7:26
